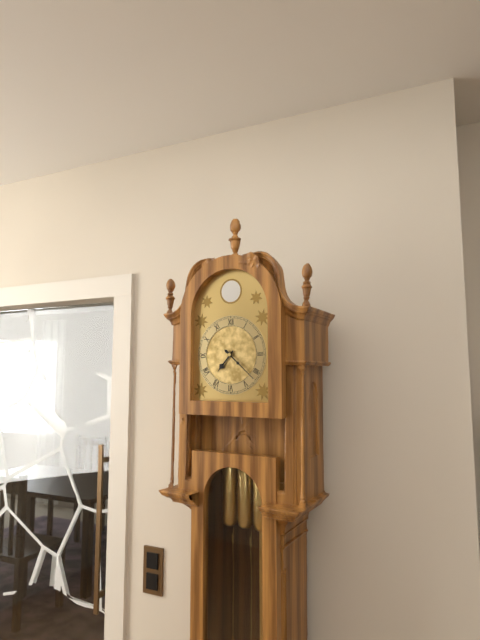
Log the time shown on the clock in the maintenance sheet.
7:22
